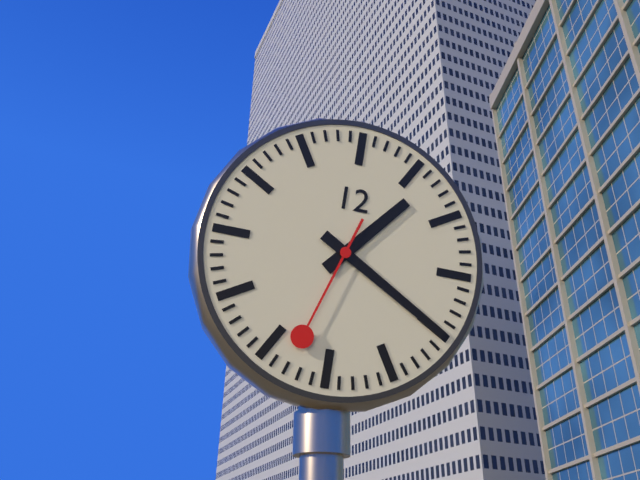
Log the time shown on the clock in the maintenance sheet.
1:20:33
